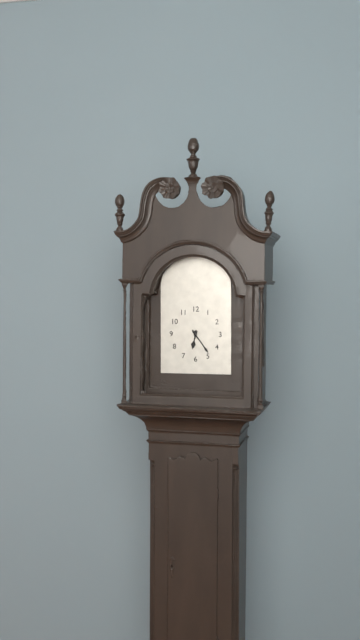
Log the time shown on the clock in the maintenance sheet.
6:24
